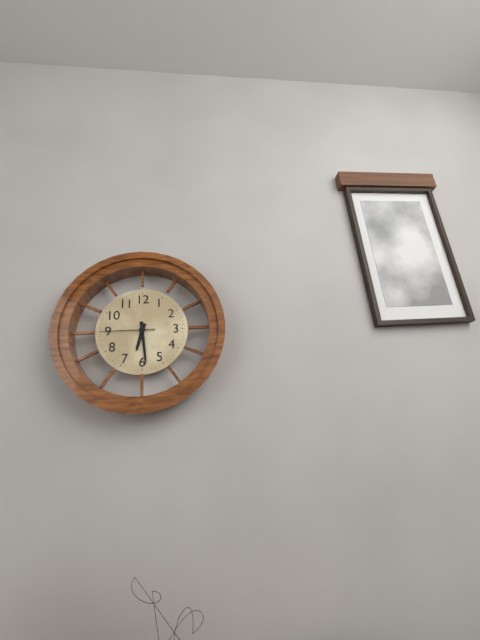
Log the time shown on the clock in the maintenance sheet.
6:29:45
